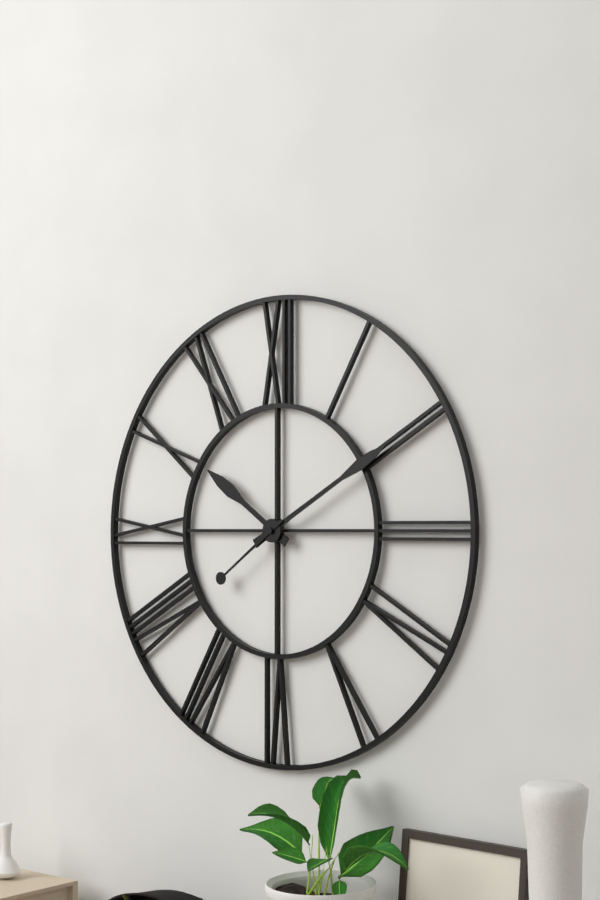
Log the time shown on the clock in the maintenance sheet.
10:10:39
